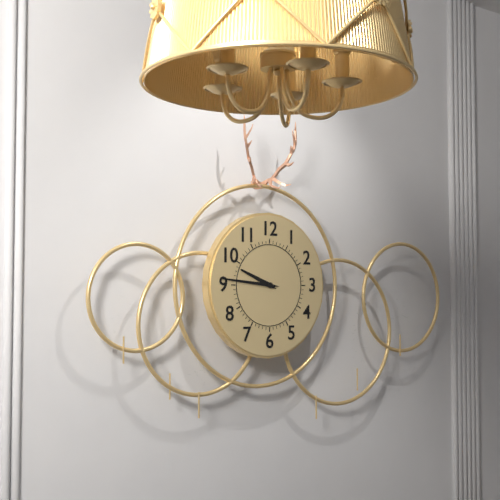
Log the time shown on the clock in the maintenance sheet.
9:46
